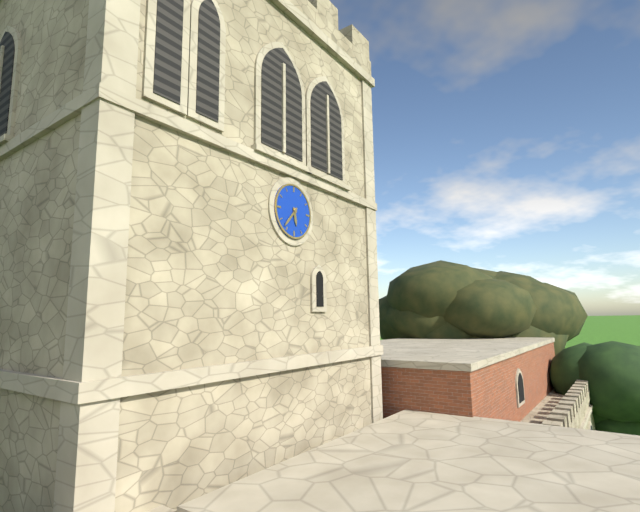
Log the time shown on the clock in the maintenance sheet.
5:37
